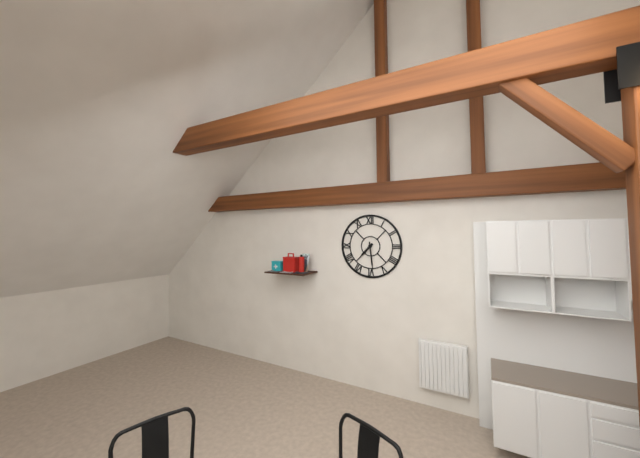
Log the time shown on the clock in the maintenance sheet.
7:29
